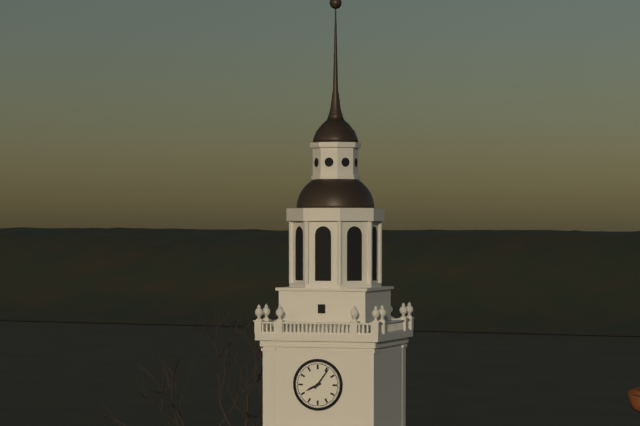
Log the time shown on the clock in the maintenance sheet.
8:06
